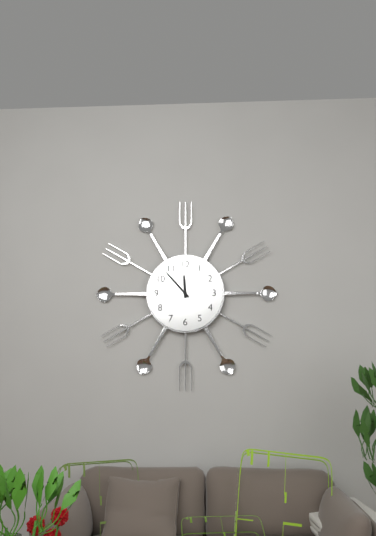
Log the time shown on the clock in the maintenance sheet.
11:53
